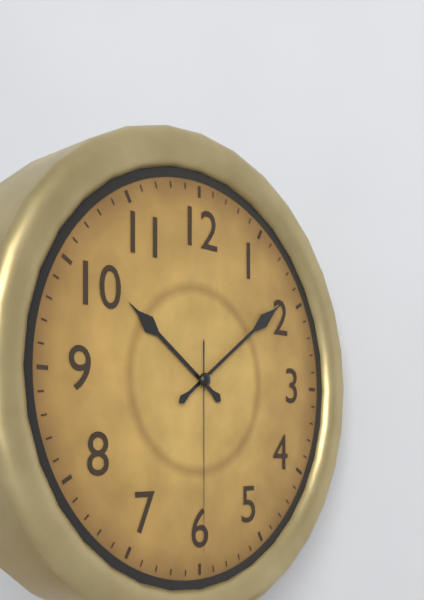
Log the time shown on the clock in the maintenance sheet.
10:09:30
